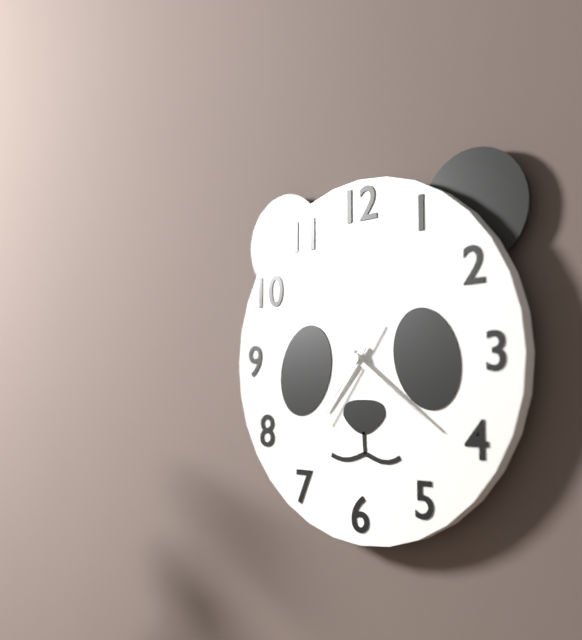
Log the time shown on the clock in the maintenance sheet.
7:21:36
